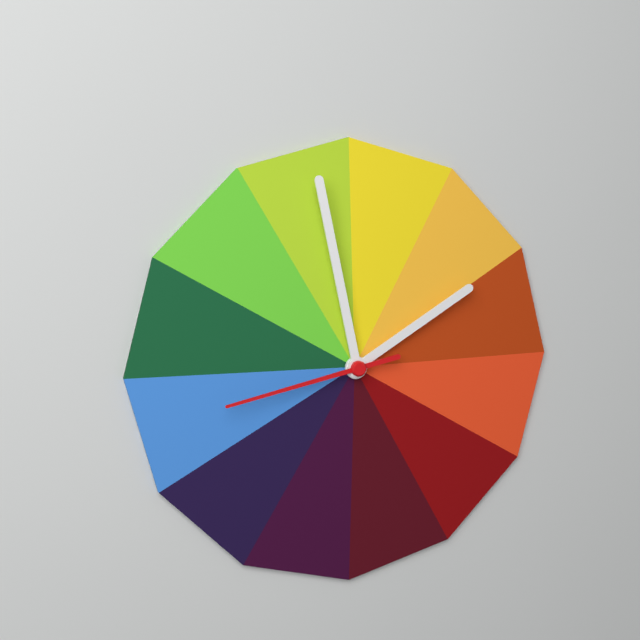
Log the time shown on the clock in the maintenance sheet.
1:58:43
